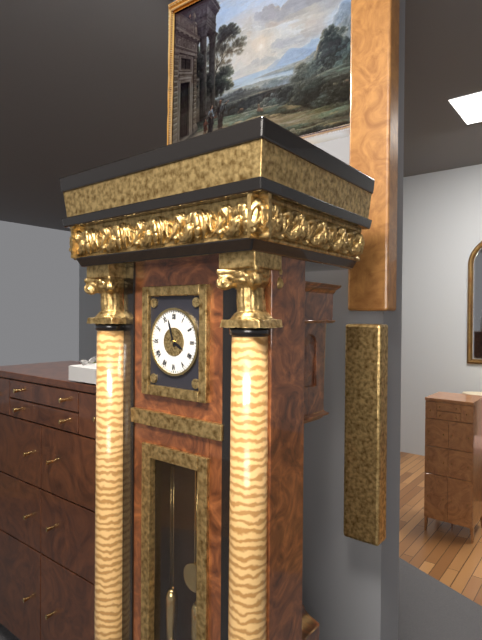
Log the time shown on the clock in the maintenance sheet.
3:57
